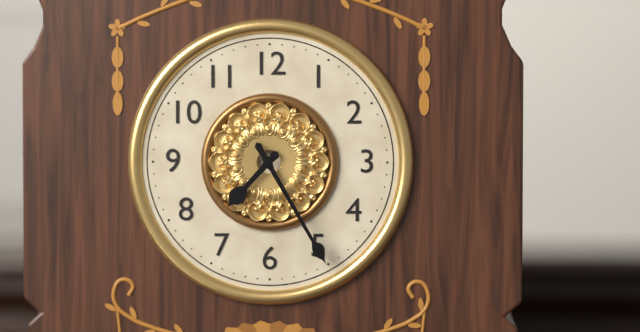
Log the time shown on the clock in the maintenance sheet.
7:25
